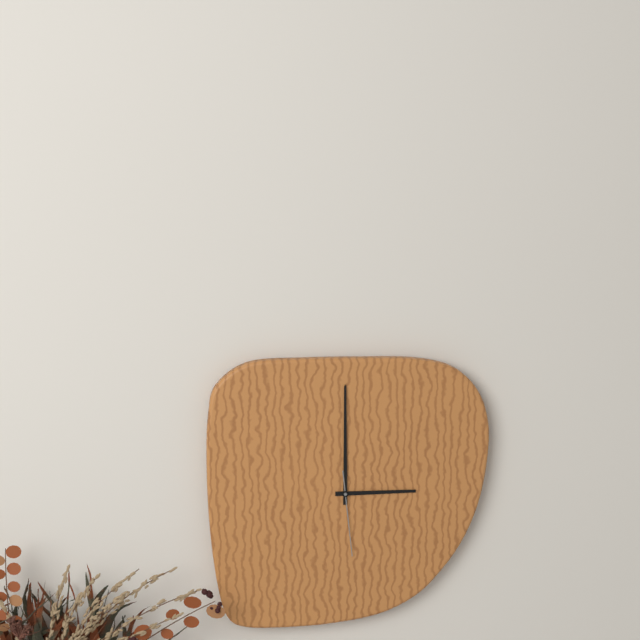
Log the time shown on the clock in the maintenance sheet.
3:00:29
